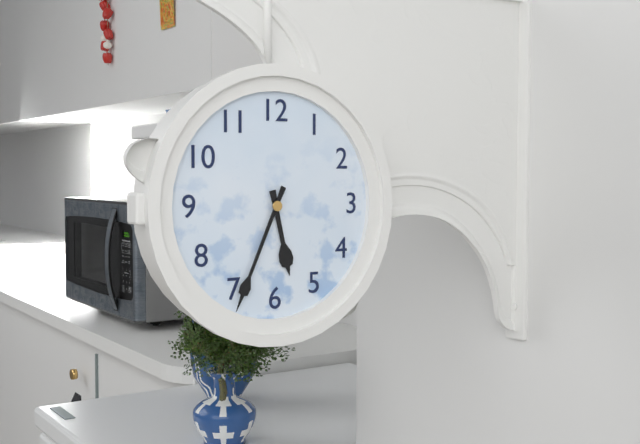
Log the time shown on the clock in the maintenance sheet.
5:34
